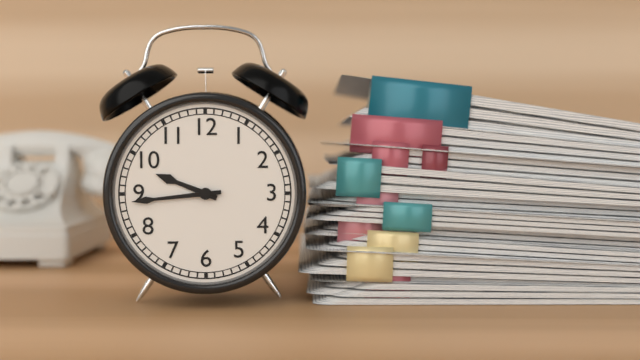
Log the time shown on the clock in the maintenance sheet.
9:44
